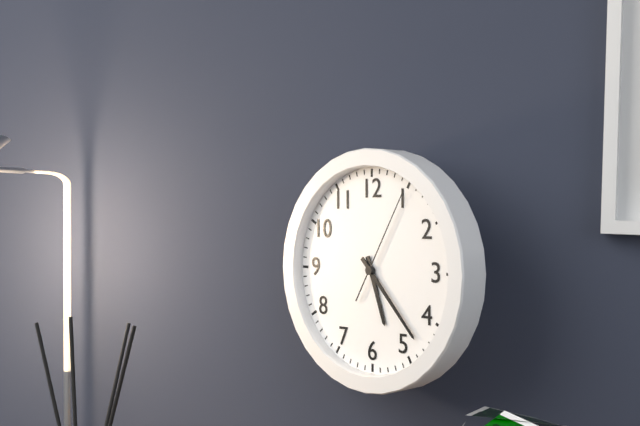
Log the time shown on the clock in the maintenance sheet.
5:23:05
